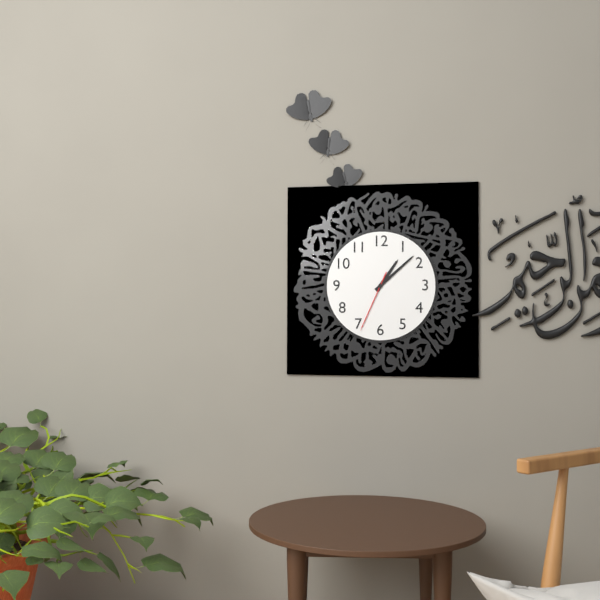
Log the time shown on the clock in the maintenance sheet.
1:08:34
